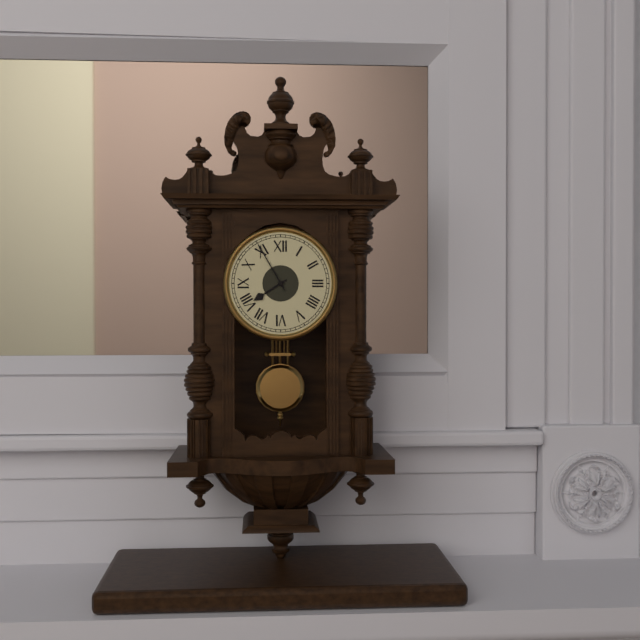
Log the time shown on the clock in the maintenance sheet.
7:55
